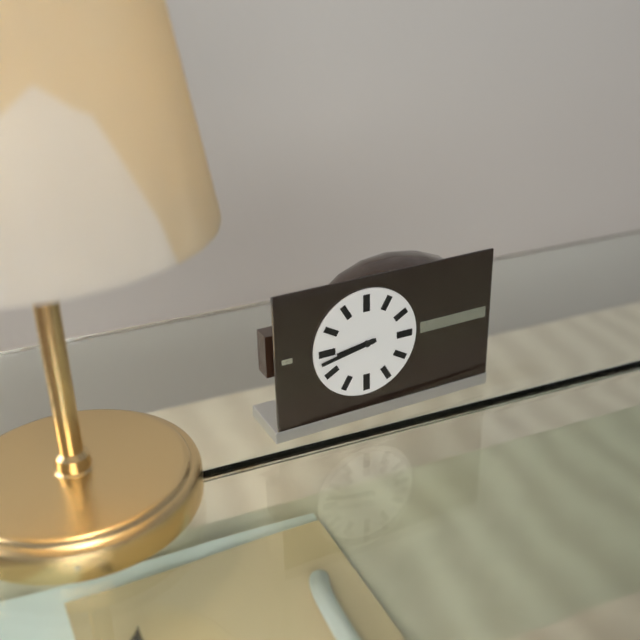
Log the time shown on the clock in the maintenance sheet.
8:43
